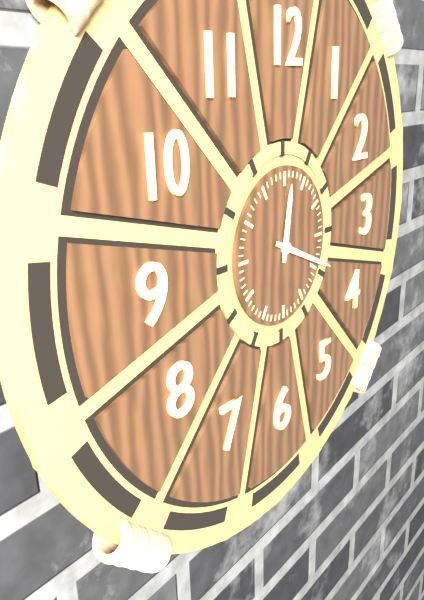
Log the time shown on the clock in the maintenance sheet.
12:19
